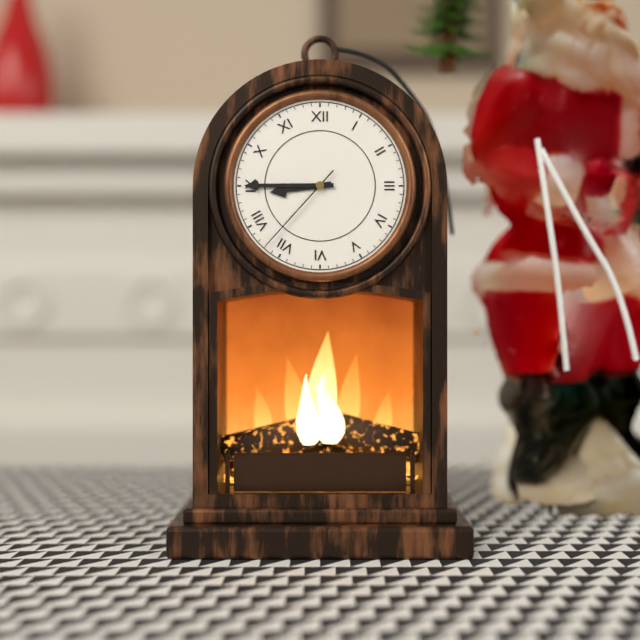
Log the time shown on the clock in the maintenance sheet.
8:45:37
